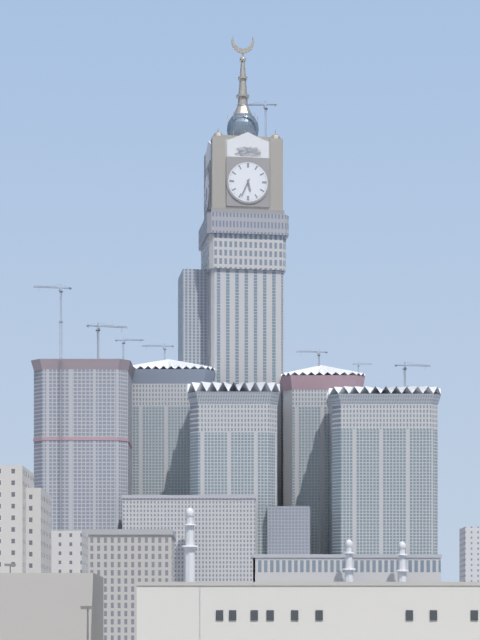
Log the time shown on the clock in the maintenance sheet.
5:34
